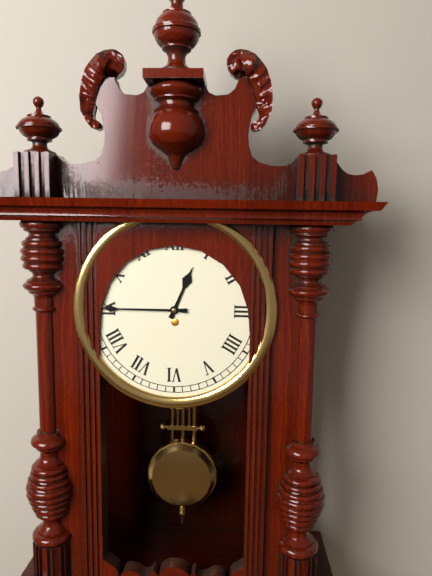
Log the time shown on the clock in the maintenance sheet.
12:45
